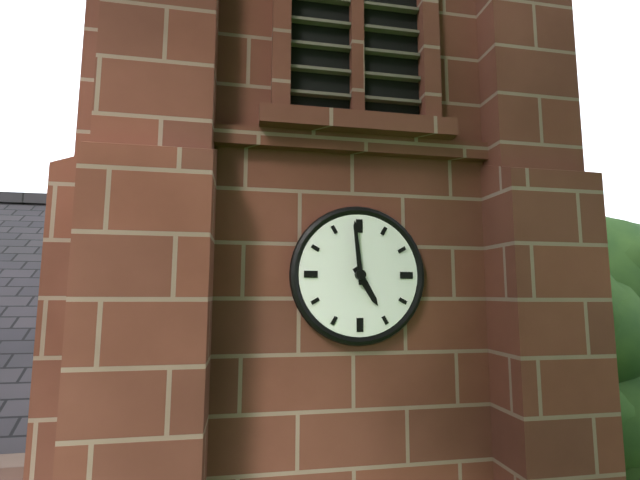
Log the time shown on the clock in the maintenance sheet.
4:59
